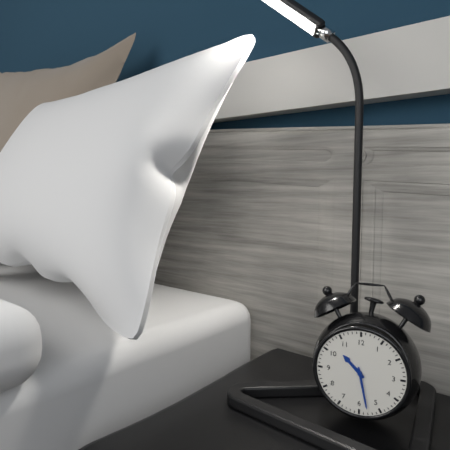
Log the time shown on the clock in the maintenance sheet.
10:28
